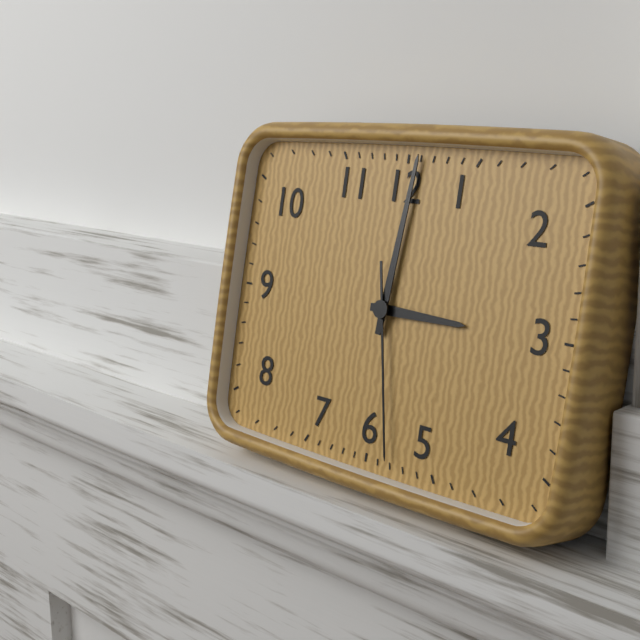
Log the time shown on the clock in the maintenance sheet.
3:01:28
